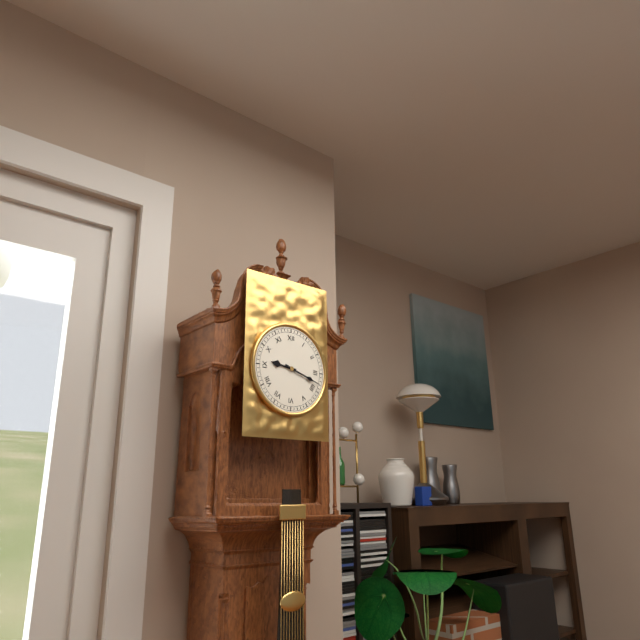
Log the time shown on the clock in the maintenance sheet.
9:18
